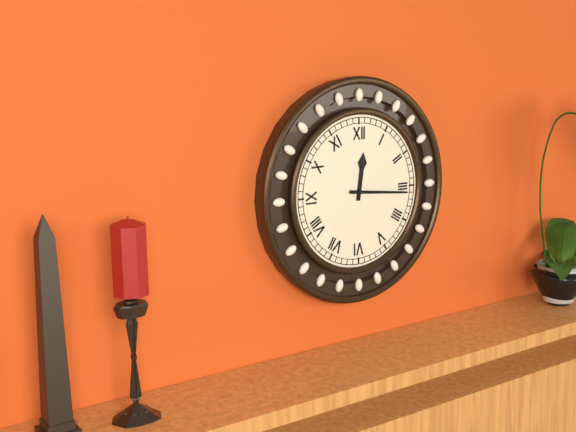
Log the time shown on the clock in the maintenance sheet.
12:16
